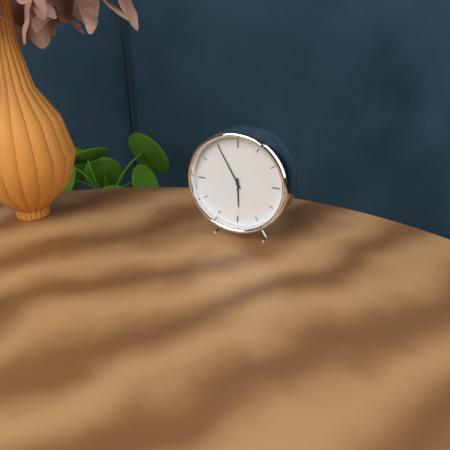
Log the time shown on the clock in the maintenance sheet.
5:55
